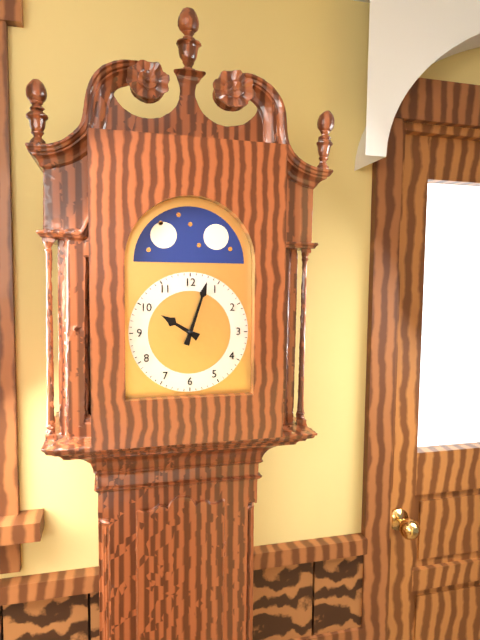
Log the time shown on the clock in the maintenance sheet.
10:03
